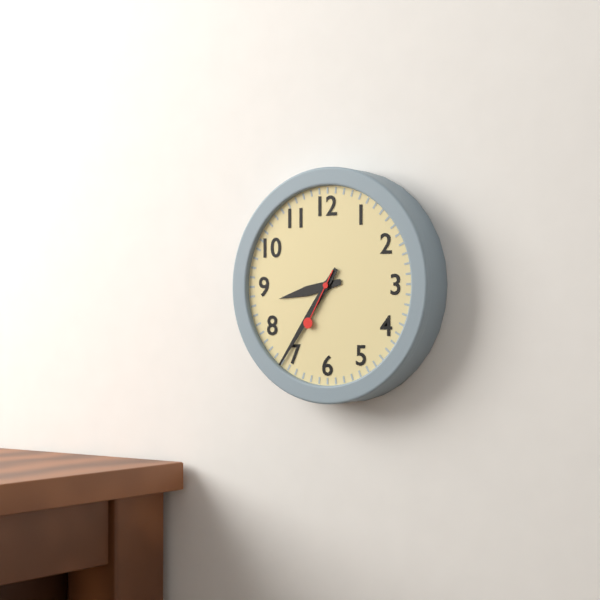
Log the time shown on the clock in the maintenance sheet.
8:36:35
